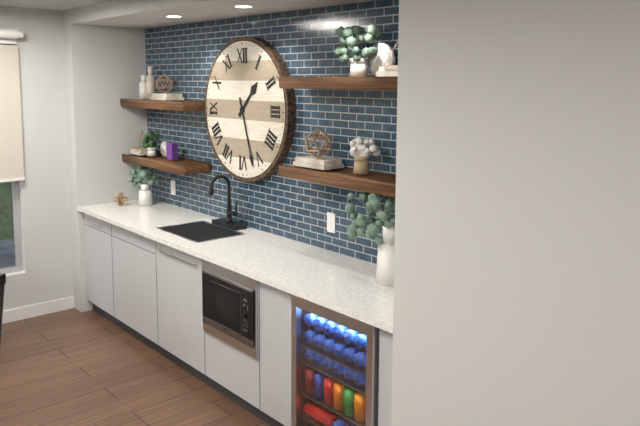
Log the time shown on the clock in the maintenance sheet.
1:27
